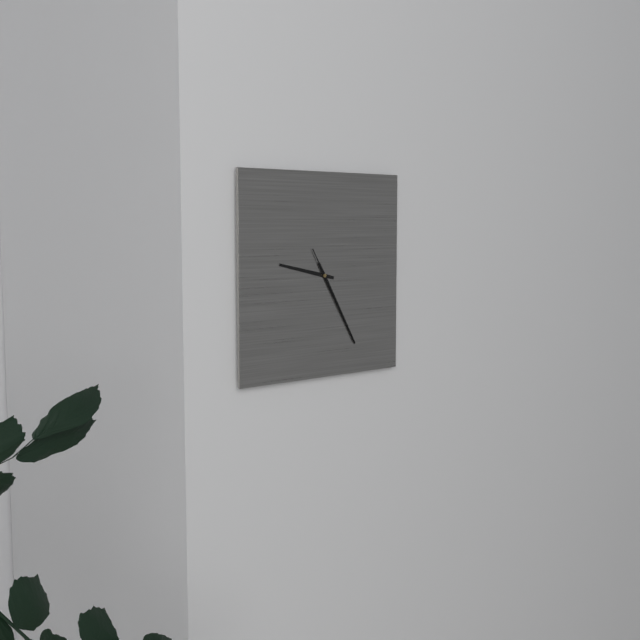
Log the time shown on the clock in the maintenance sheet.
9:25:25
